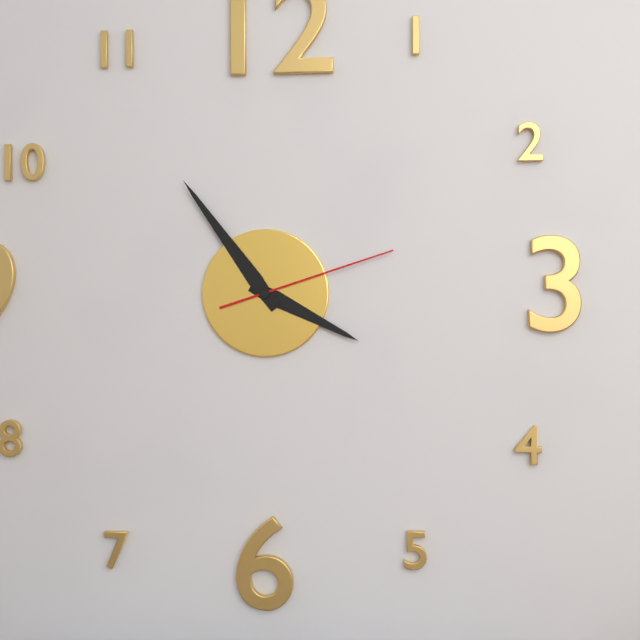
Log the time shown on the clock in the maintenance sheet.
3:54:12
